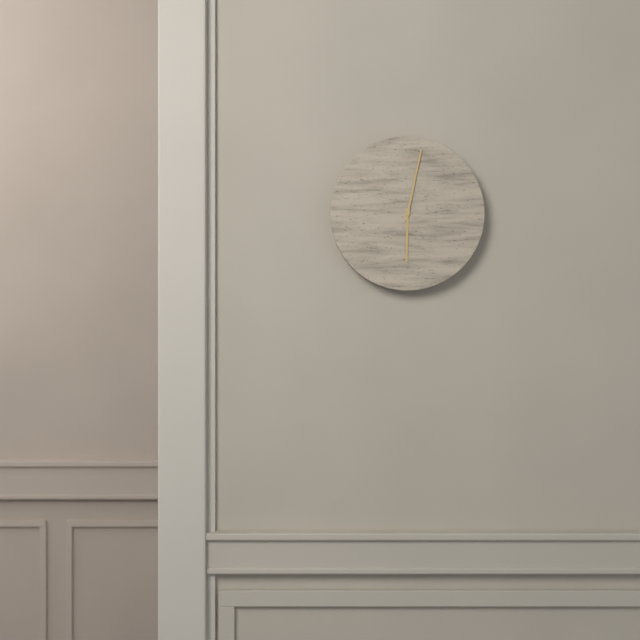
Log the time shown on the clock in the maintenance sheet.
6:02
